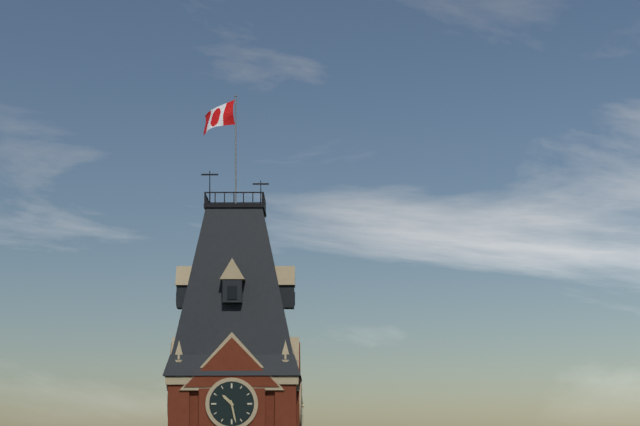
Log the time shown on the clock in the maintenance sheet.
10:28
